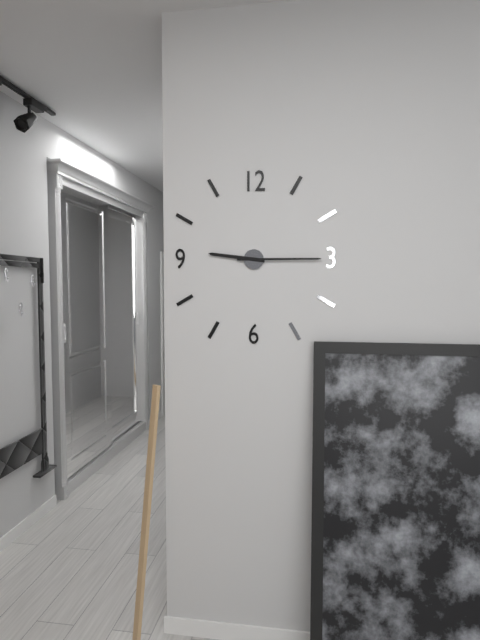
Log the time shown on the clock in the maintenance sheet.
9:15
